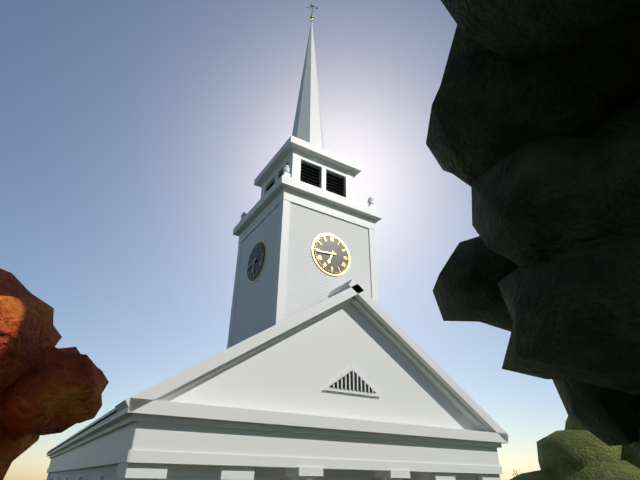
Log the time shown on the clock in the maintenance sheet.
6:44
